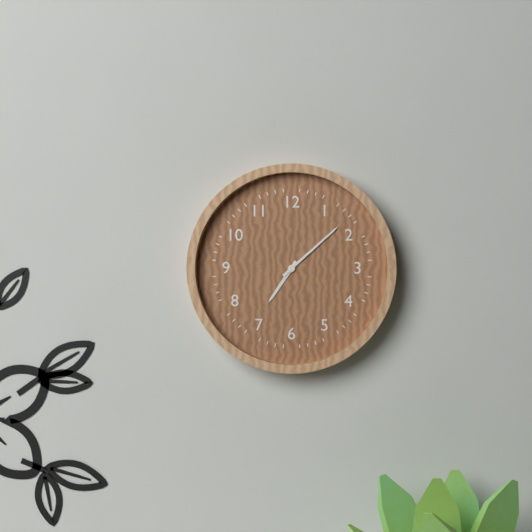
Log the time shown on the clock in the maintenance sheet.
7:08
